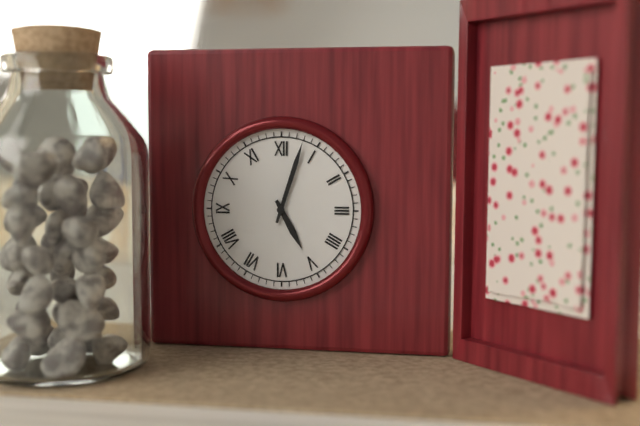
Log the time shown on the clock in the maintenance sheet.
5:03
